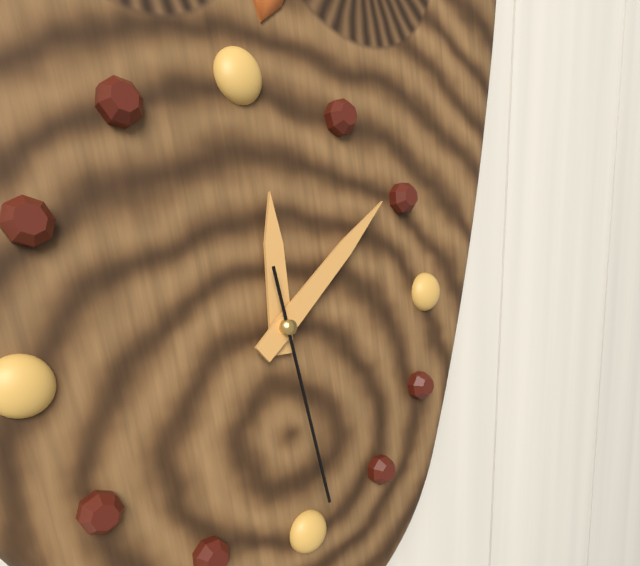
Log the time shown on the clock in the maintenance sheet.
12:09:29
